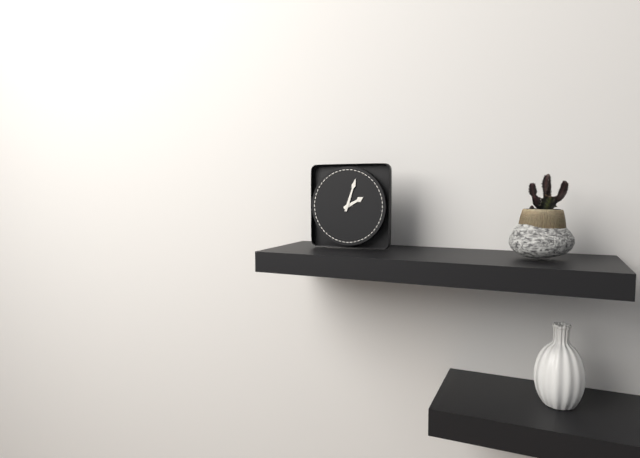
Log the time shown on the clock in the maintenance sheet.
2:03
